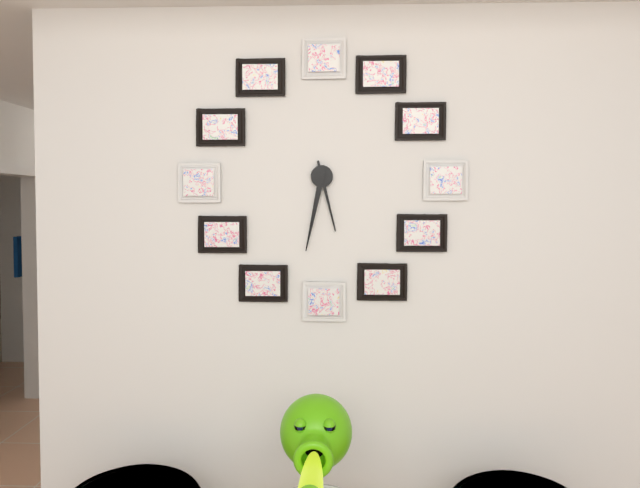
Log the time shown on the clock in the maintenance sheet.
5:32
